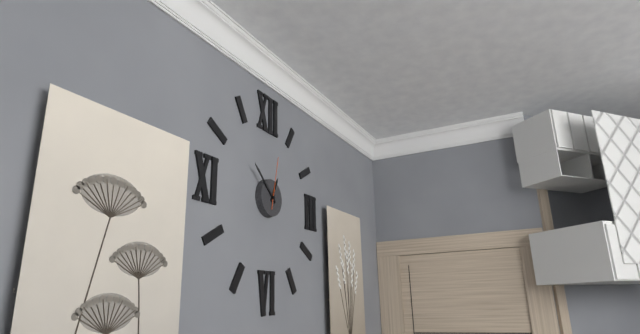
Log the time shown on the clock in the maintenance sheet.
12:52:02
